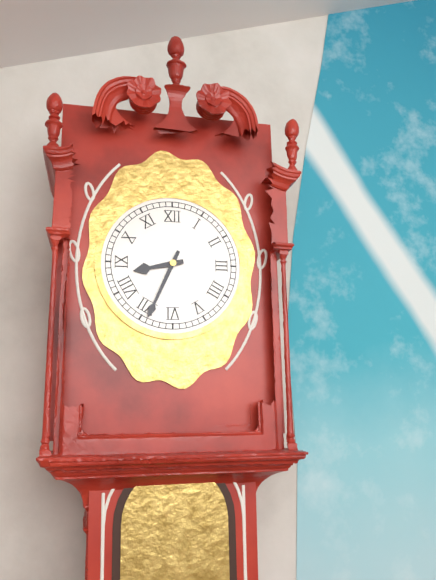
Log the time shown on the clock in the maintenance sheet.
8:34
